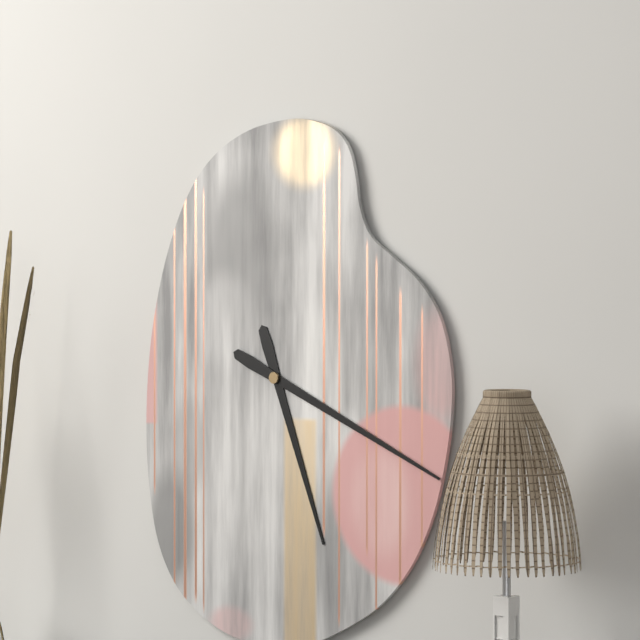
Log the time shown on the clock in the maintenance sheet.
5:19
